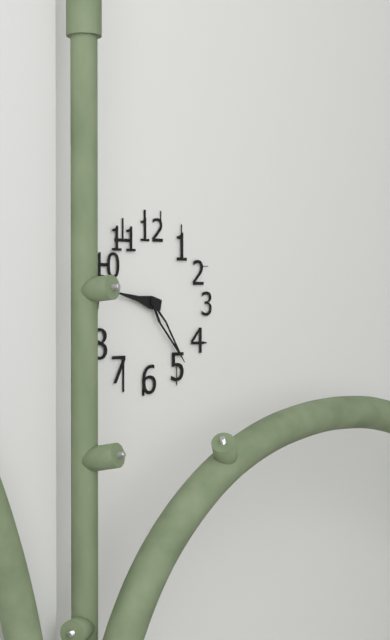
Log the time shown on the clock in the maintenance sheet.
9:24
